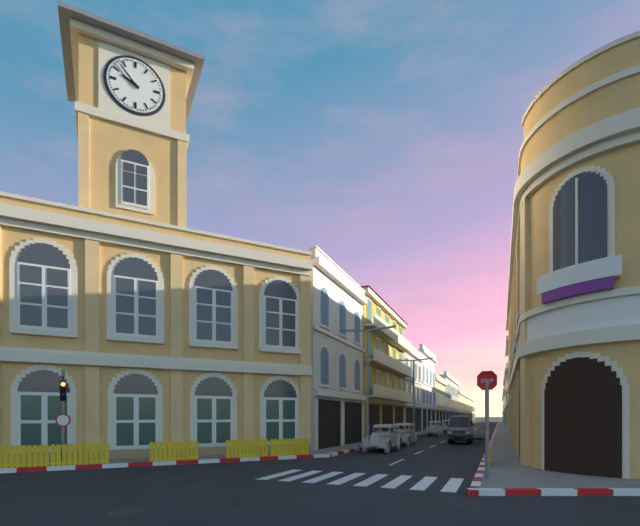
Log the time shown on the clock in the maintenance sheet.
9:53
